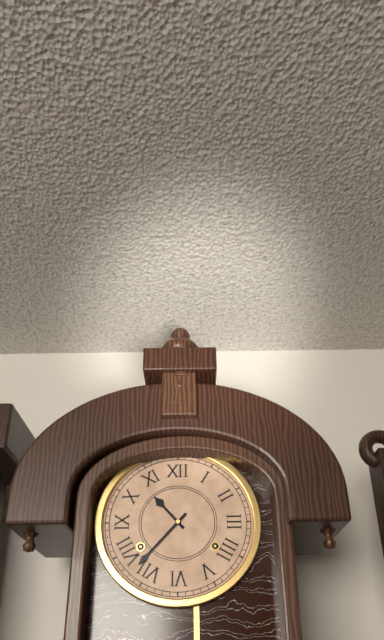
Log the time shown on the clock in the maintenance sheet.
10:37
